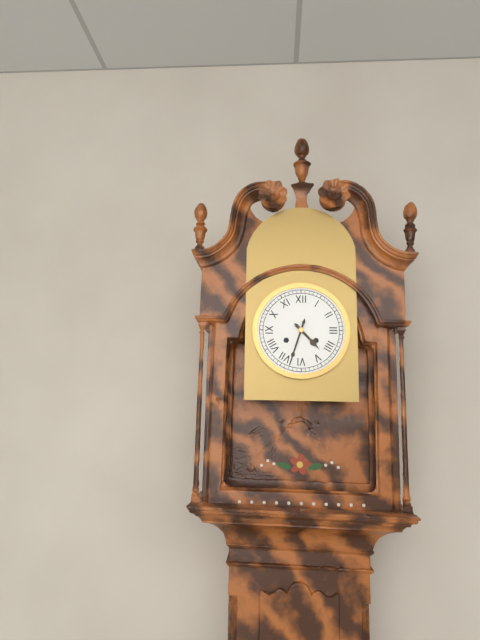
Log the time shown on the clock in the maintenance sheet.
4:33
